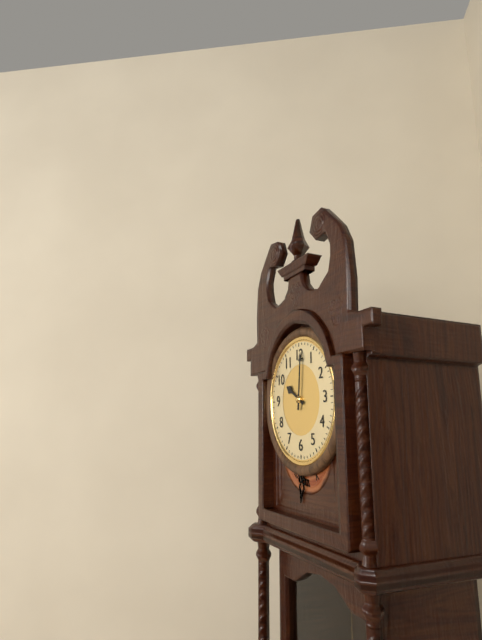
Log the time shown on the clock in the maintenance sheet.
10:01
